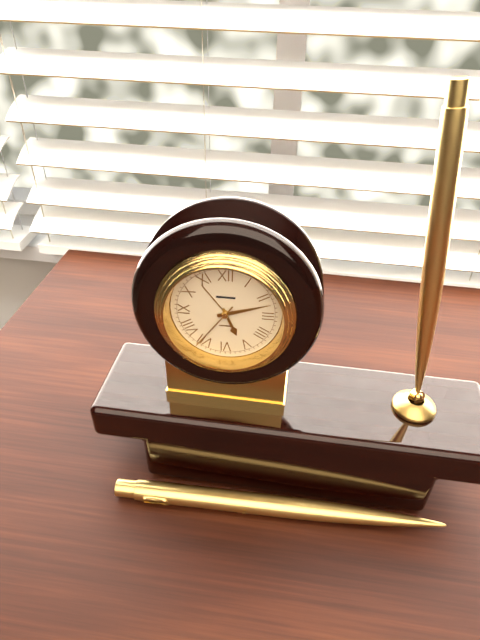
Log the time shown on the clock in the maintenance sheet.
5:12:36
